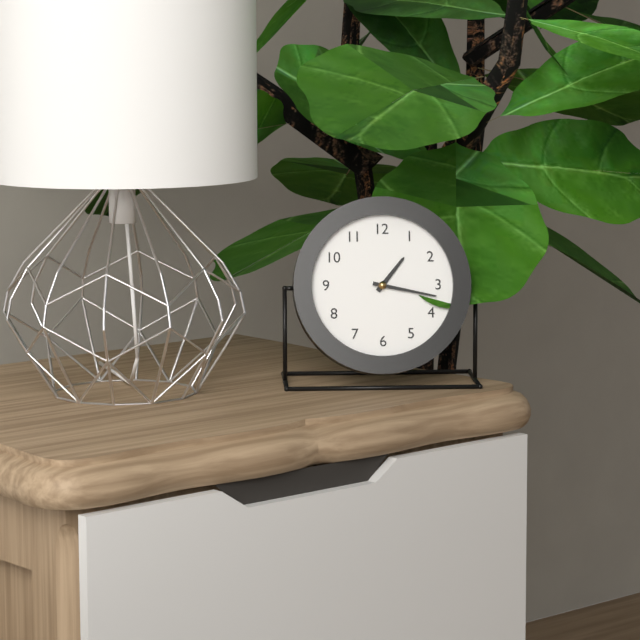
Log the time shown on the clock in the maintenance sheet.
1:17
